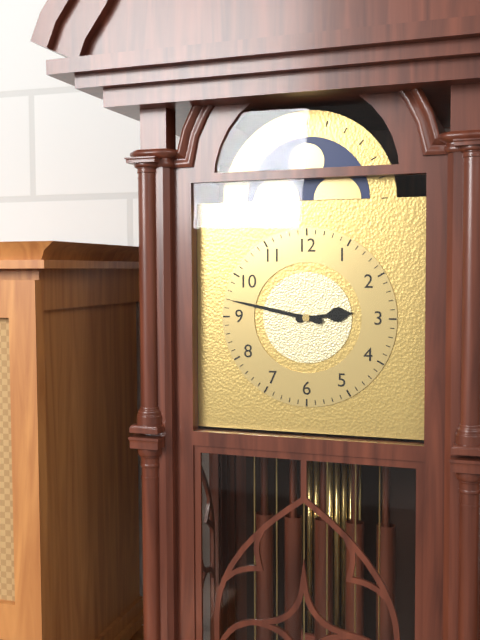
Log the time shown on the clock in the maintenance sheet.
2:47
